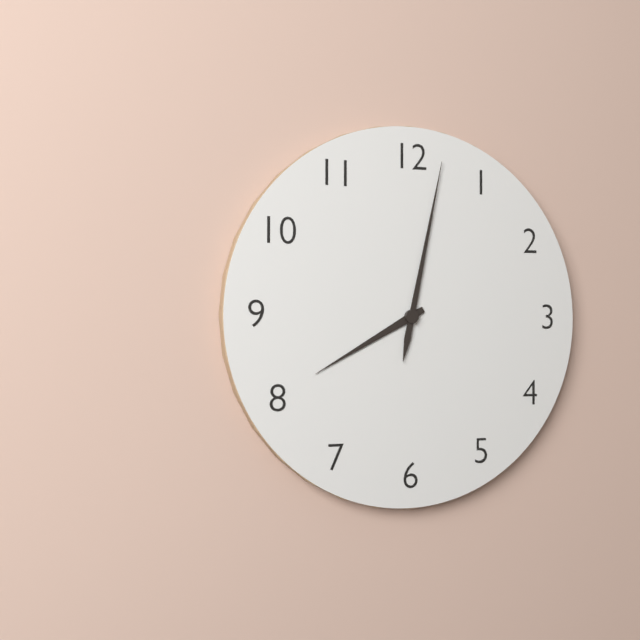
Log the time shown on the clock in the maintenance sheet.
8:02
